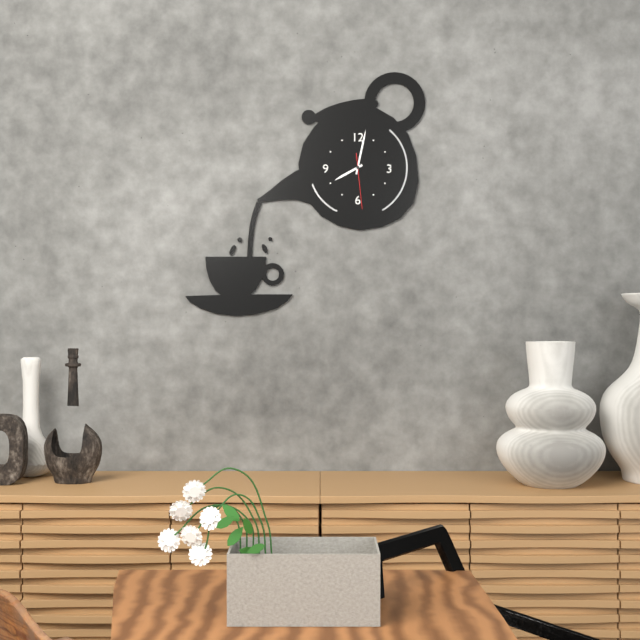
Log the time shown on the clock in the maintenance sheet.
8:02:29
